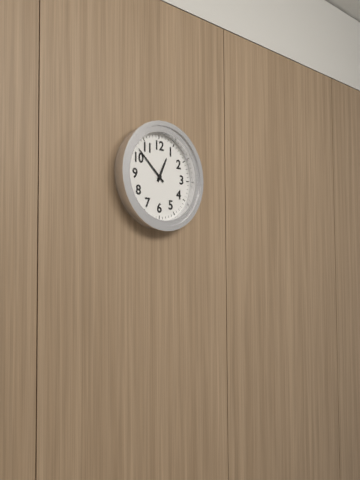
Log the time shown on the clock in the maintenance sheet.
12:52
